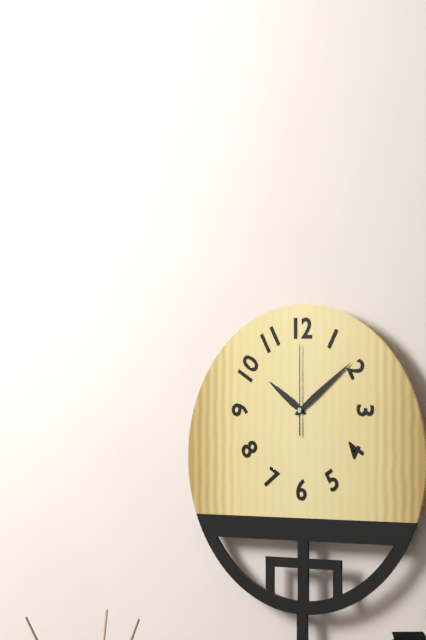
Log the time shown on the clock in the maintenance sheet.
10:09:00
